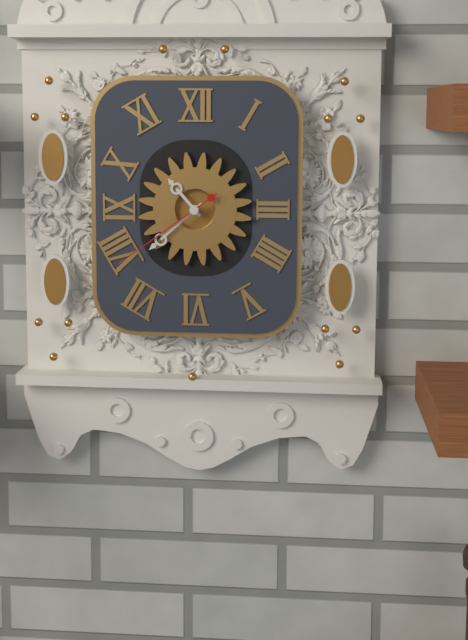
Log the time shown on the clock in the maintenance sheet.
10:38:39
